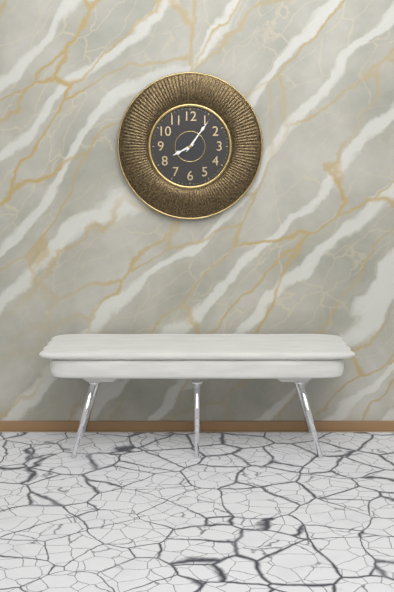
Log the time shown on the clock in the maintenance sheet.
8:06
